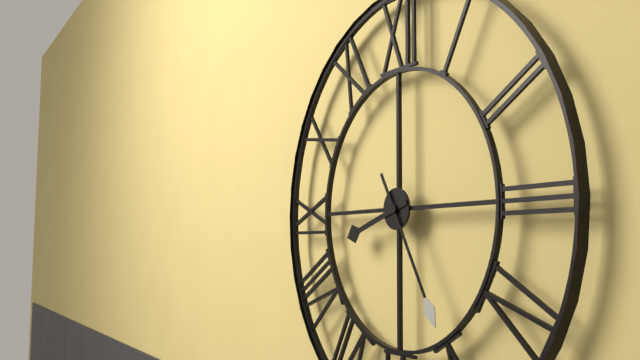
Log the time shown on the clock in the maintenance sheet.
8:25
